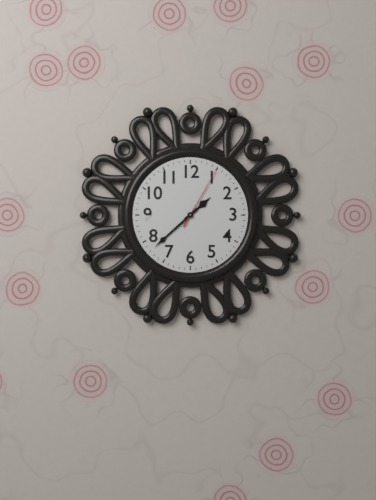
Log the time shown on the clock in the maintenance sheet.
1:38:05
